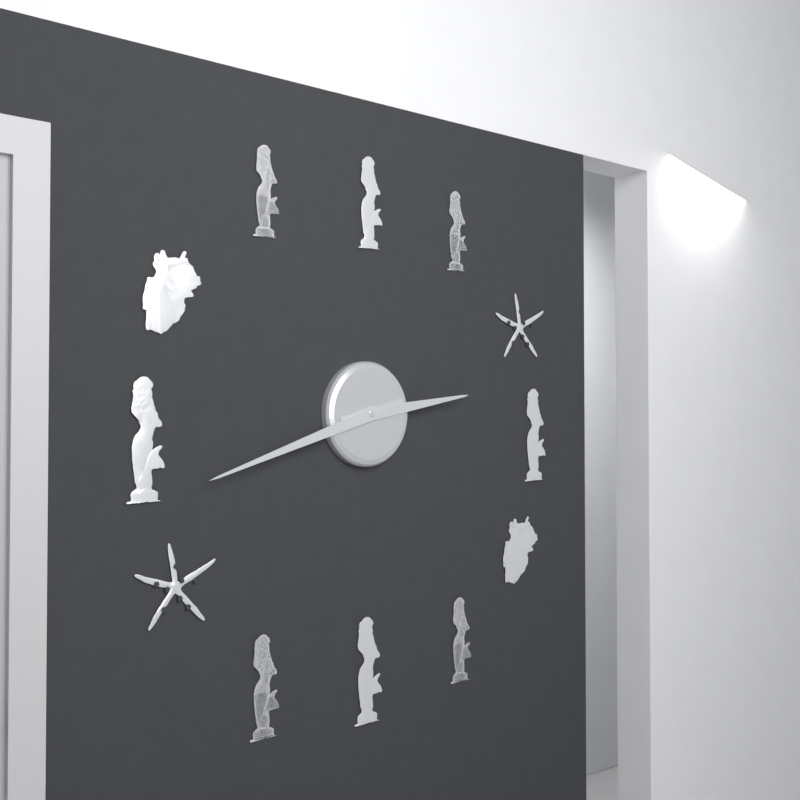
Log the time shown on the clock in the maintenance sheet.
2:42
